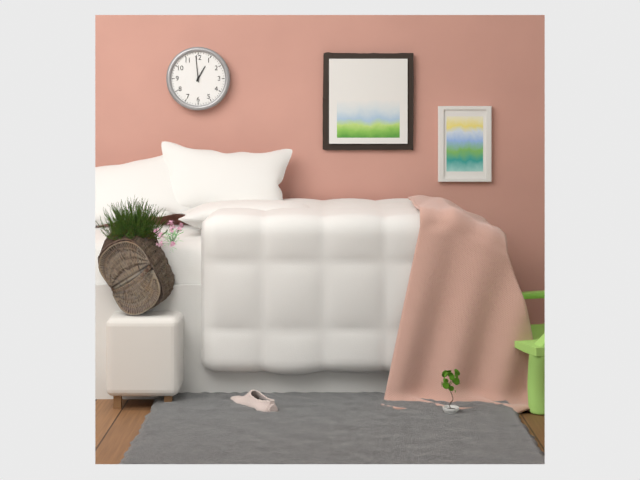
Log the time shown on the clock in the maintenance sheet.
12:59
